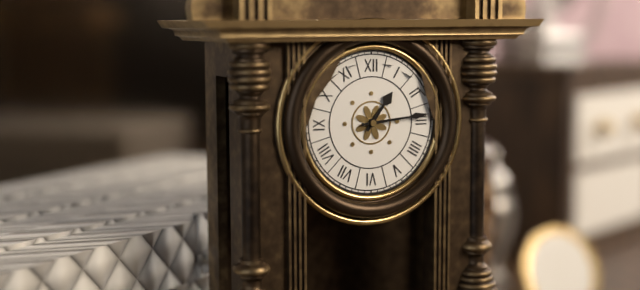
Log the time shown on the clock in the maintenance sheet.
1:14
